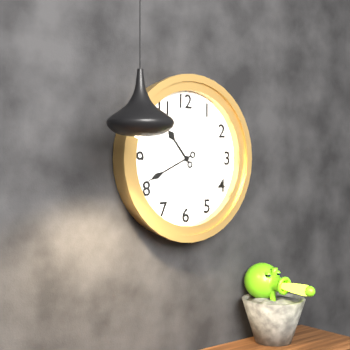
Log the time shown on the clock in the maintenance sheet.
10:41
